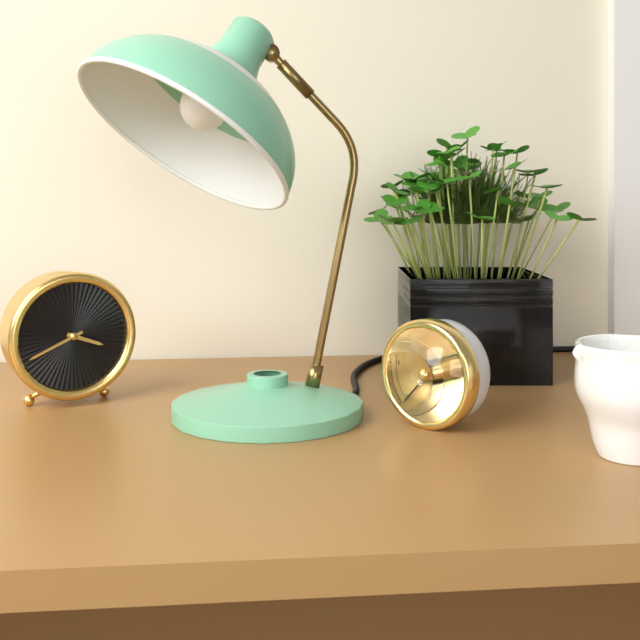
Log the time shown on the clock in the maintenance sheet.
3:41
